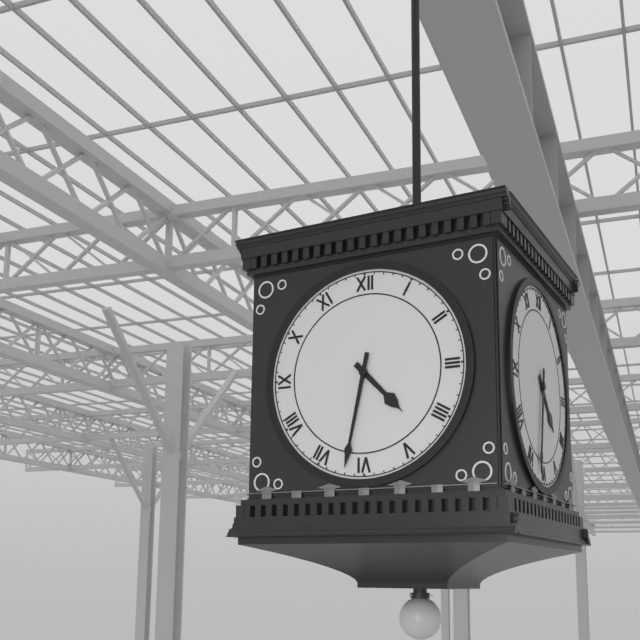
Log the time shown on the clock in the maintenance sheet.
4:32
